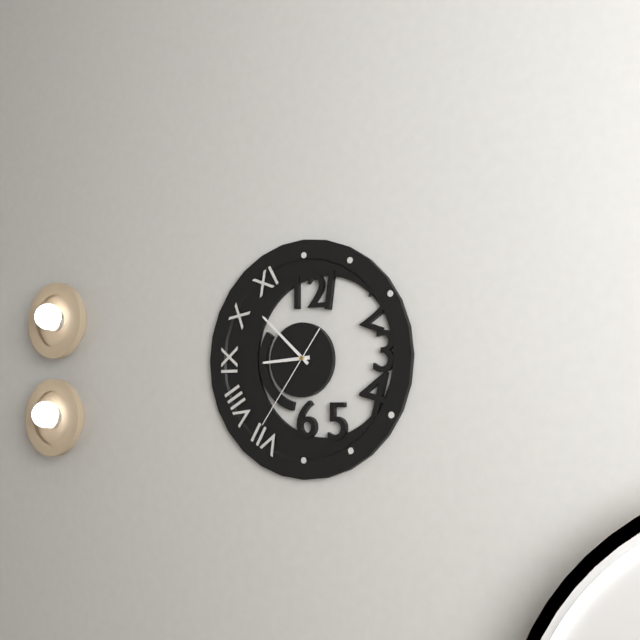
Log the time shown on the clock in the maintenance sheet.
8:52:36
